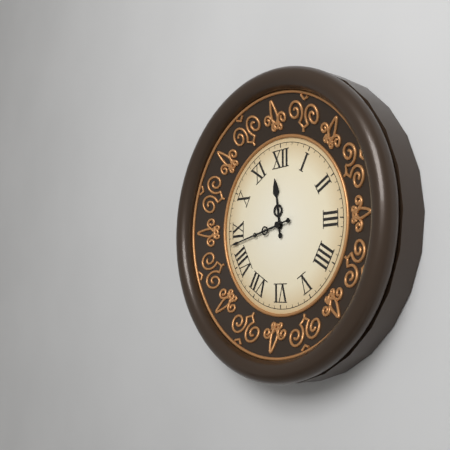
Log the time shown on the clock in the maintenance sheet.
11:43
